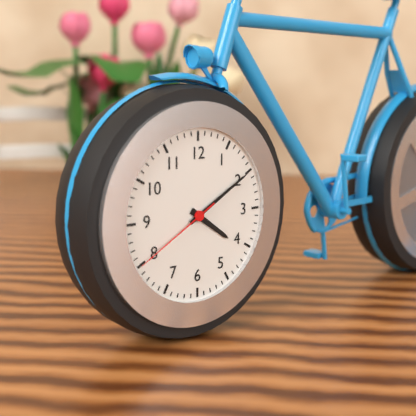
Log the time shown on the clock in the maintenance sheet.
4:10:40
